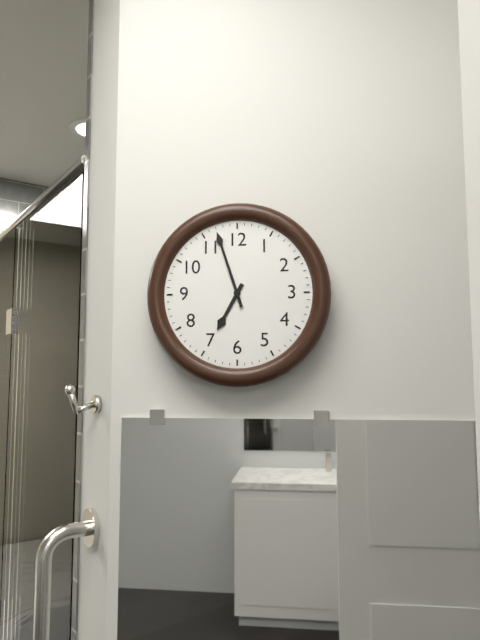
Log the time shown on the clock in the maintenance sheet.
6:57
